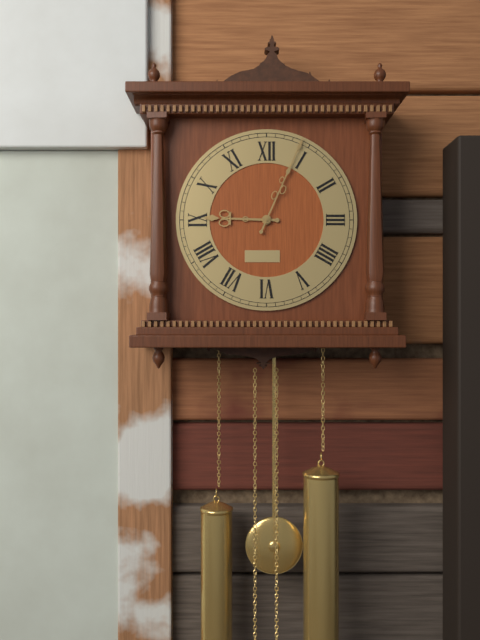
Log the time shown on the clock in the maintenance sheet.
9:04
